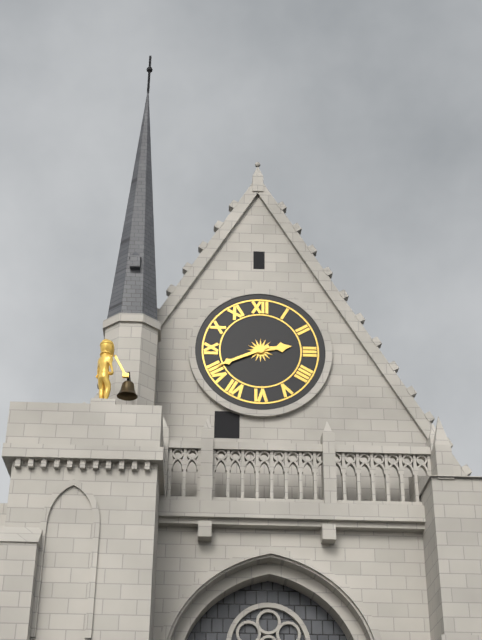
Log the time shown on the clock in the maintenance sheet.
2:41
